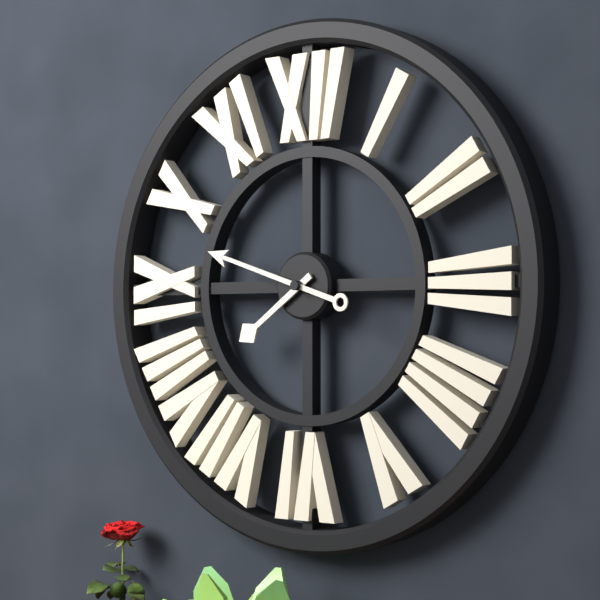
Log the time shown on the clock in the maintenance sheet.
7:48
